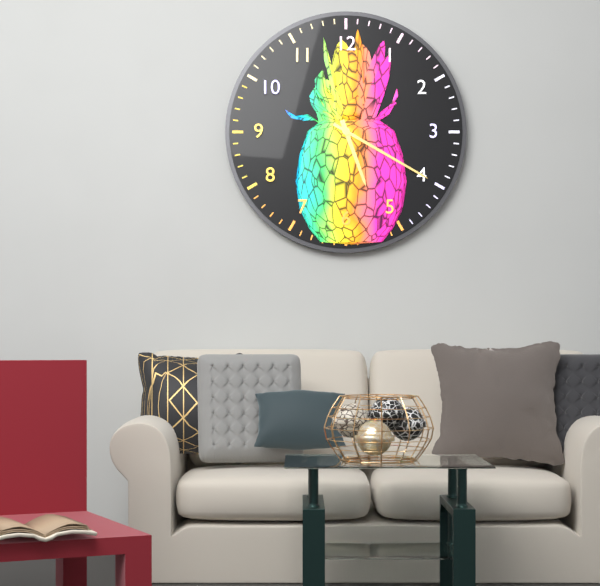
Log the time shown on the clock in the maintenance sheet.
5:20
